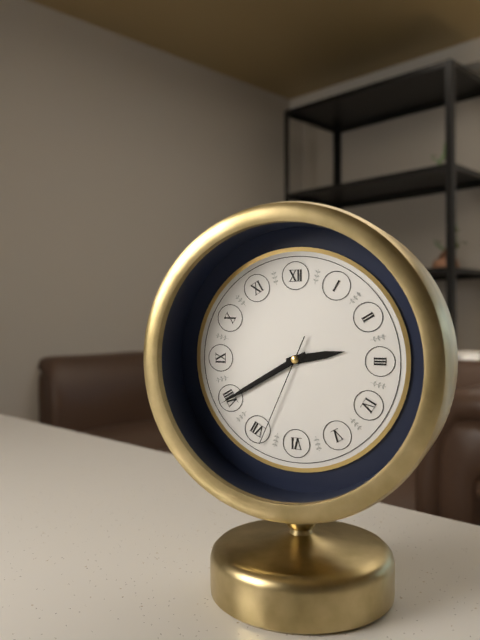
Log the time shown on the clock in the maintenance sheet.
2:40:34
